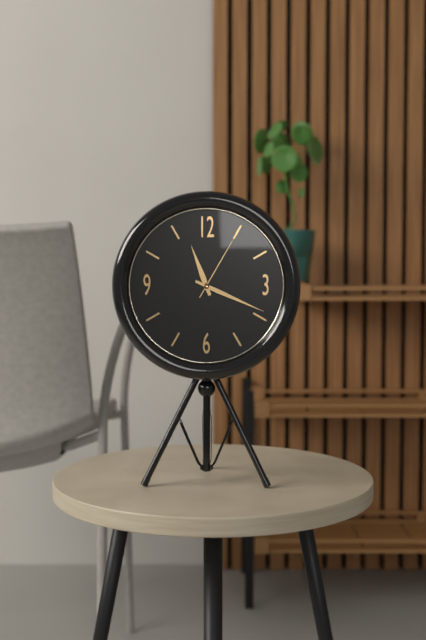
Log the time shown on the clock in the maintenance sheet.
11:19:05
